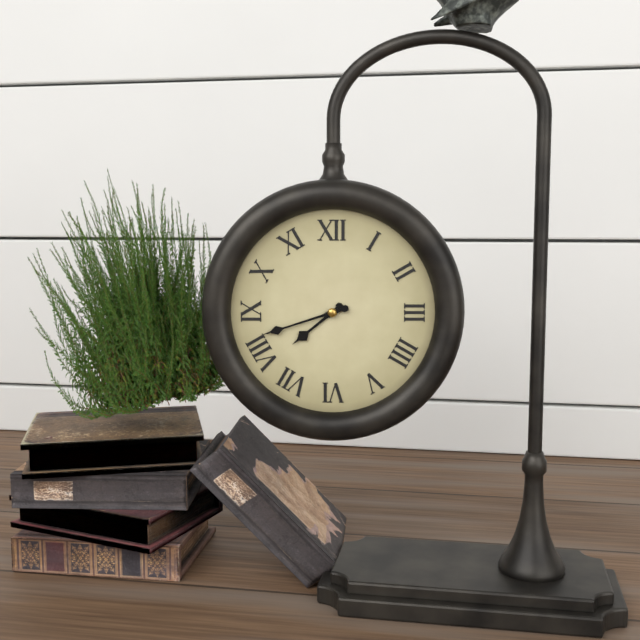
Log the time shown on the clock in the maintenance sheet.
7:42
